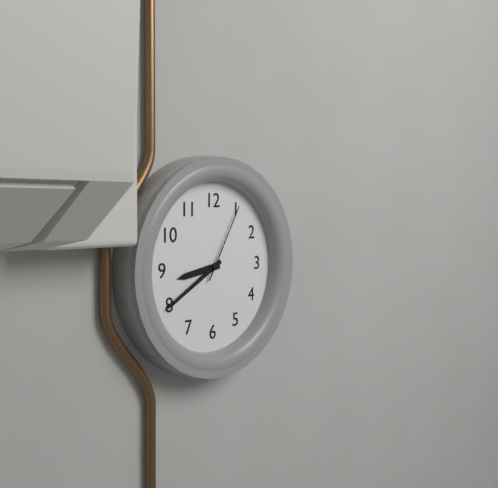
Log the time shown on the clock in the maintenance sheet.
8:40:05
